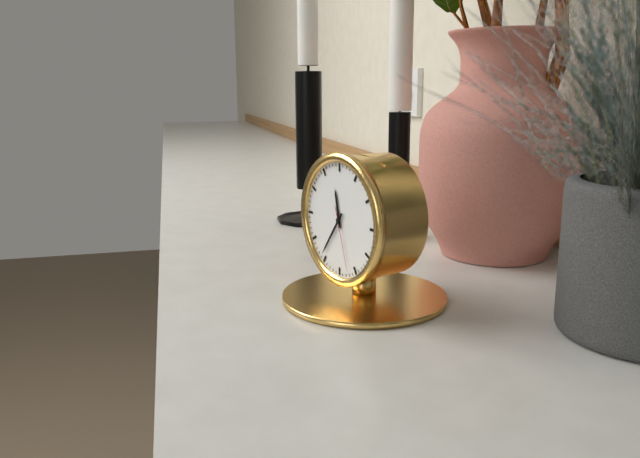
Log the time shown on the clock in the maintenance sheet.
11:36:27
